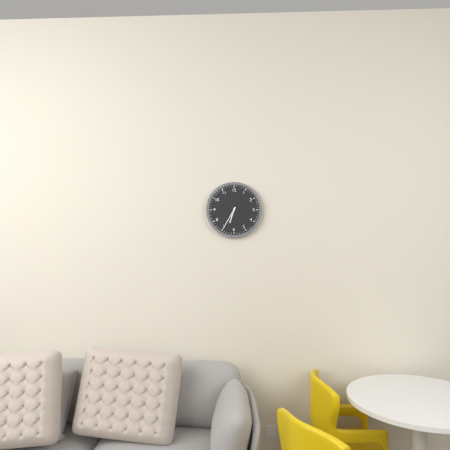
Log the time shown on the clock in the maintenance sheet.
6:35
